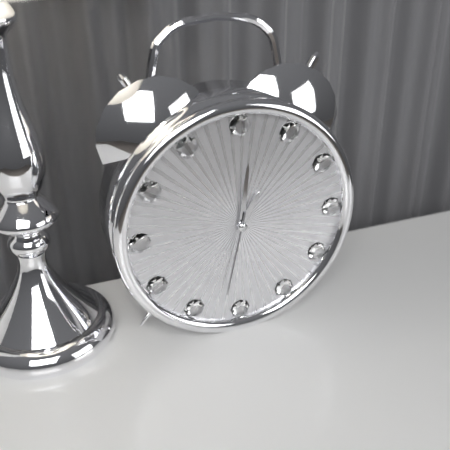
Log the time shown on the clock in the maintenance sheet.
1:01:32
